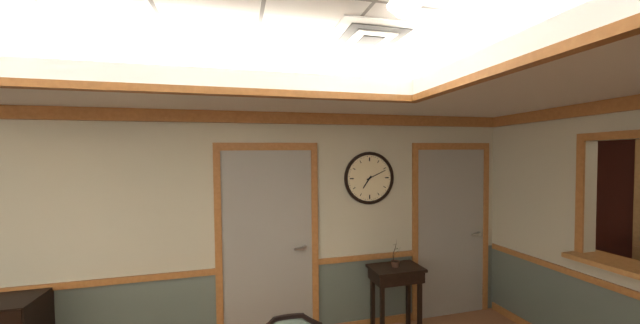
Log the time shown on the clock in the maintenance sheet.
7:11
